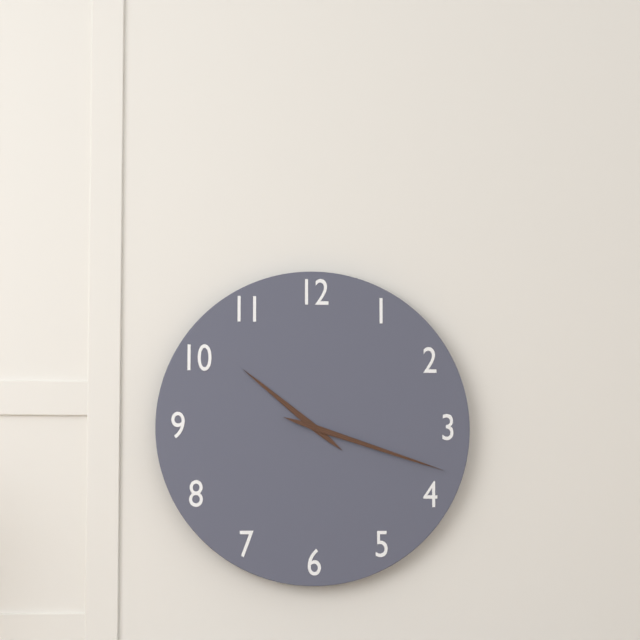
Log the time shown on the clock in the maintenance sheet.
10:18
